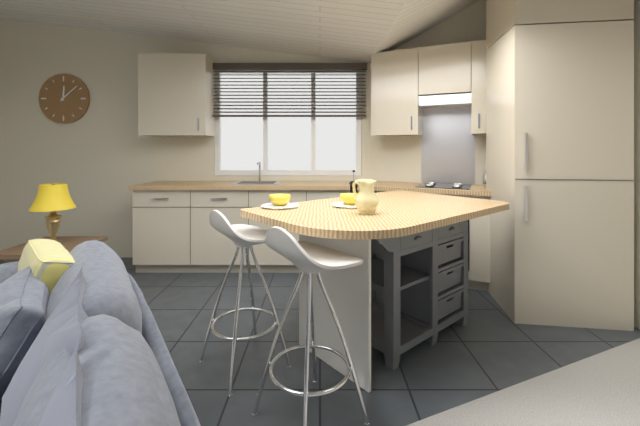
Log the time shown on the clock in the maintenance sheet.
12:08
